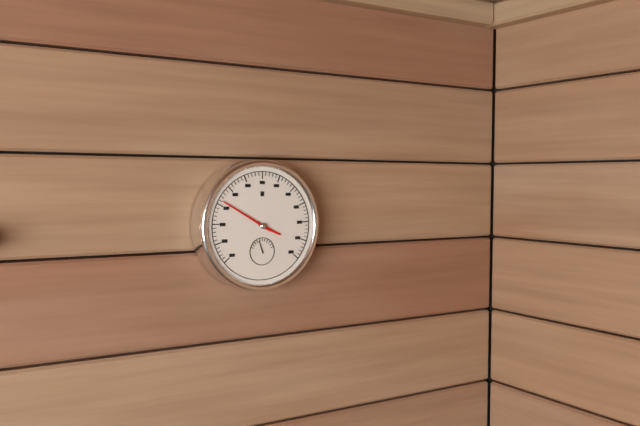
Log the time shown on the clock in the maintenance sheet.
3:50
